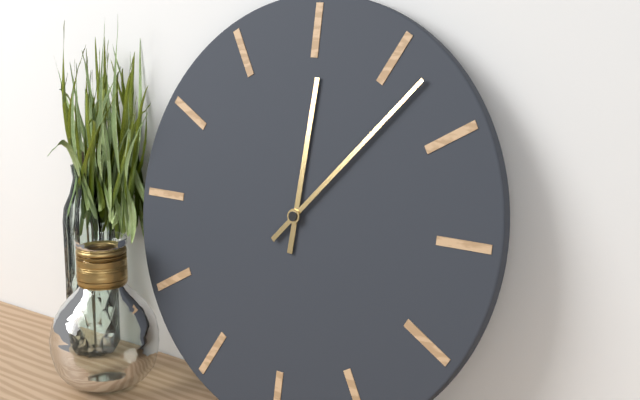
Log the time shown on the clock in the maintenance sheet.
12:07
